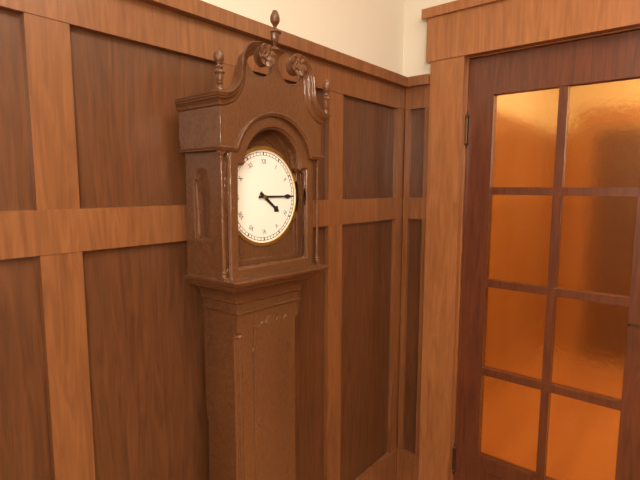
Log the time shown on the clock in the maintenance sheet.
4:15
